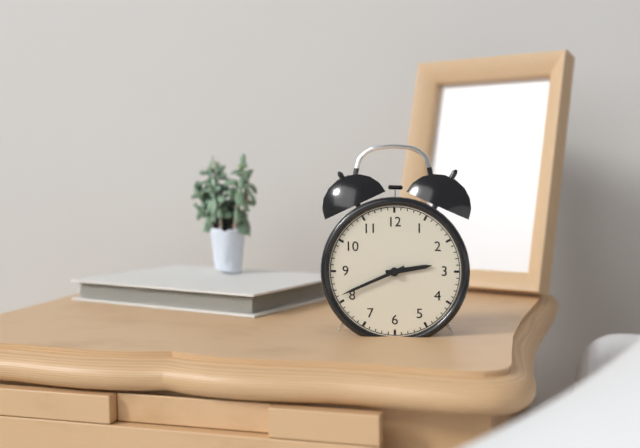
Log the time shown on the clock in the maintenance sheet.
2:41
